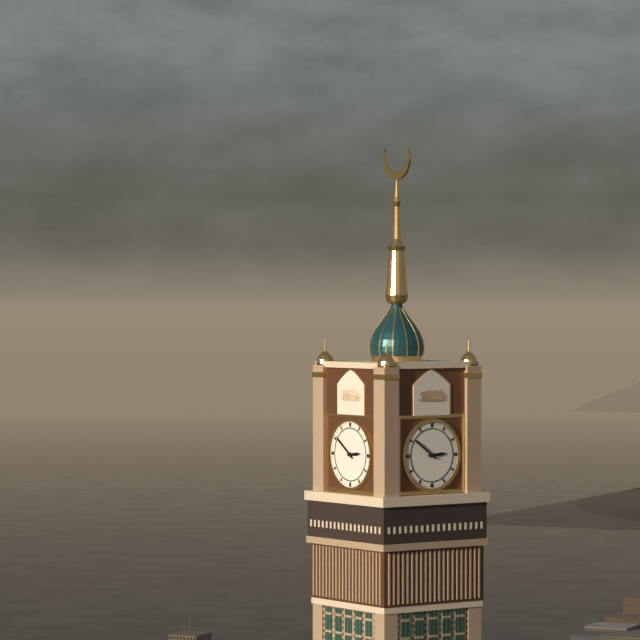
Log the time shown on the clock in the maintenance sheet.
2:51
